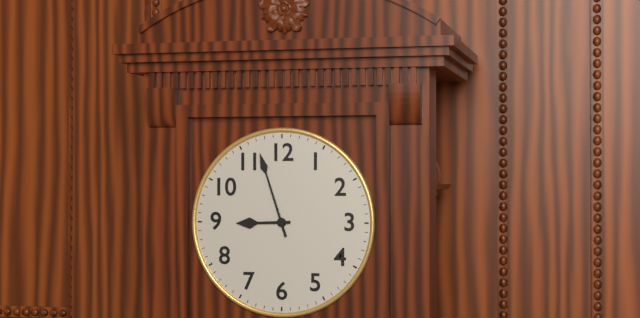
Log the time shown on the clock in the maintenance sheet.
8:57
